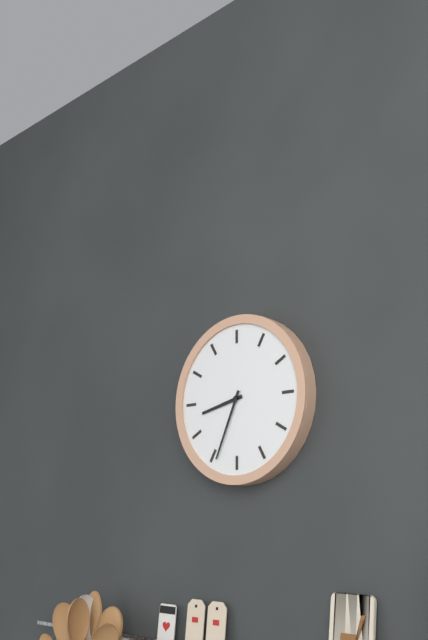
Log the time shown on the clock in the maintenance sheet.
8:34
